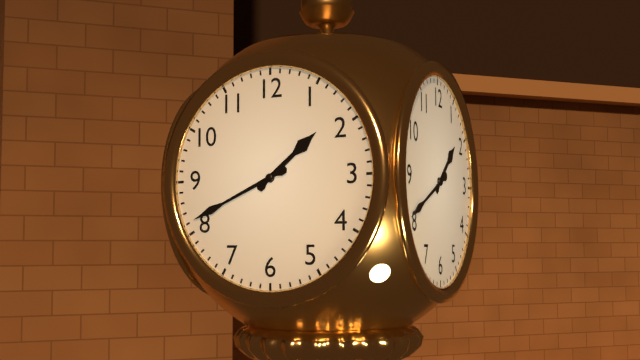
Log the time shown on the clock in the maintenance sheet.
1:41
